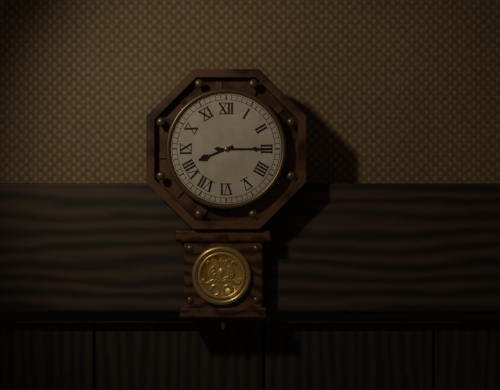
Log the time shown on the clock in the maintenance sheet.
8:15
